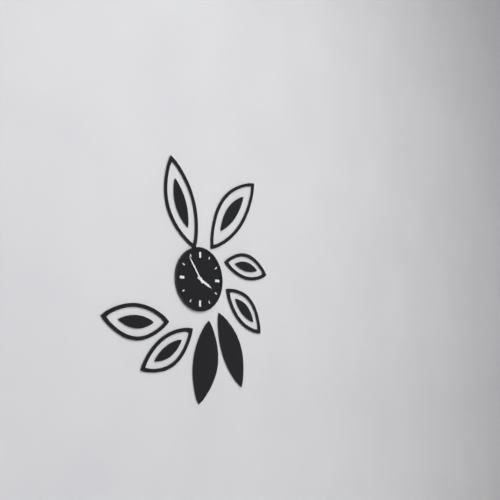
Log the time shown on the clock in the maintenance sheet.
3:54
